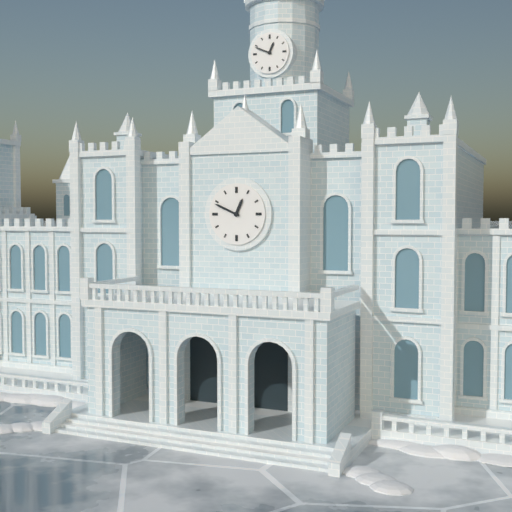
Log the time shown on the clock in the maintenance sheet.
12:49
